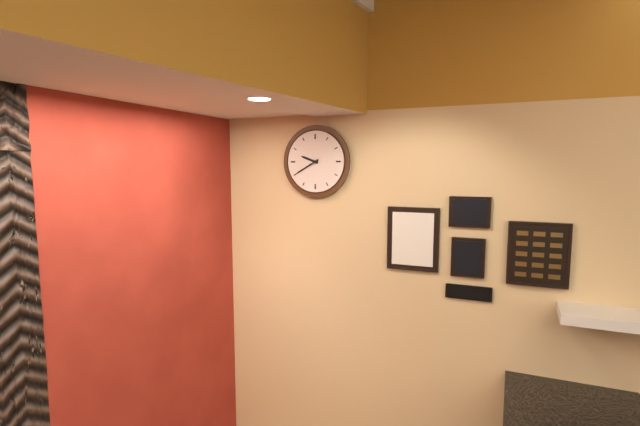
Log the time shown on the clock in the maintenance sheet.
9:40
